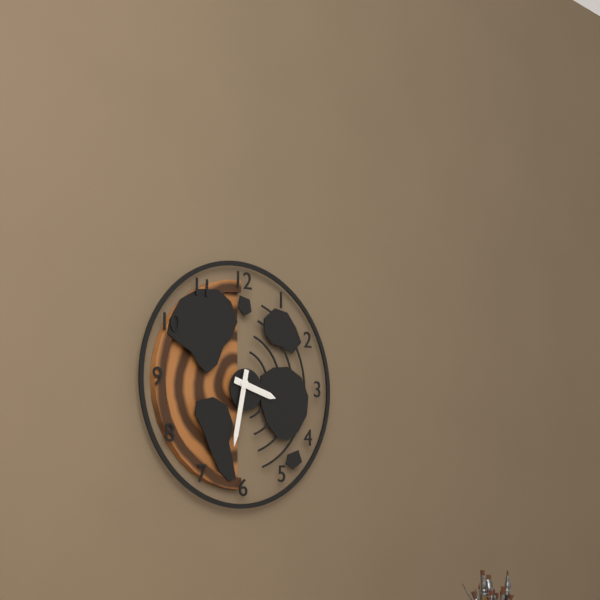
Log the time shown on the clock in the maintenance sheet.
3:32
